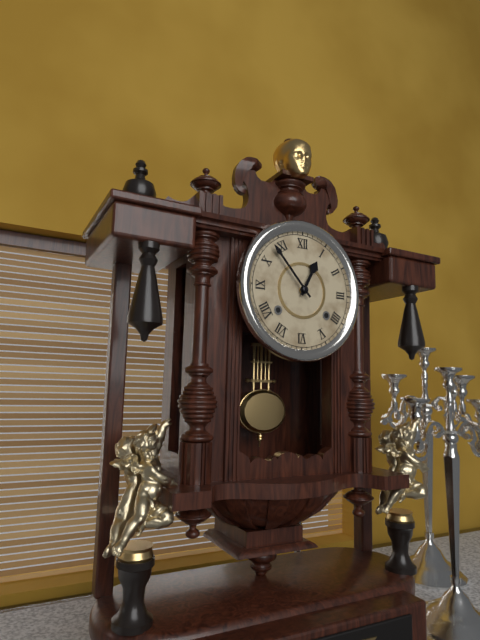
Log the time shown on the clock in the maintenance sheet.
12:53
